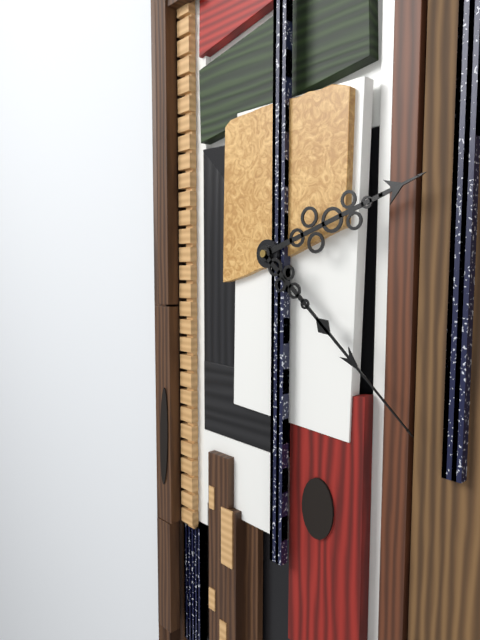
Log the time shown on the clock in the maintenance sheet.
2:22
